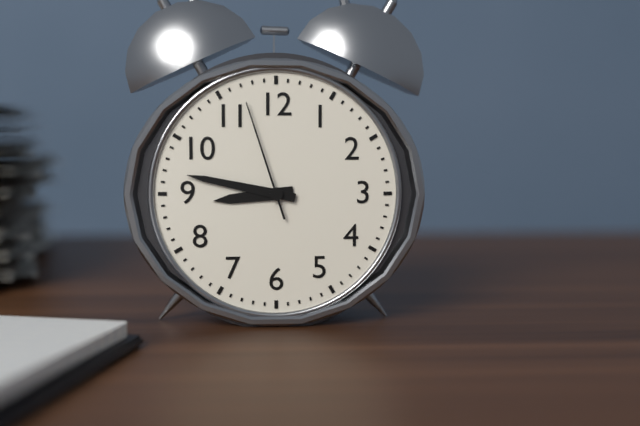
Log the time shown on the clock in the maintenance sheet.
8:47:57
